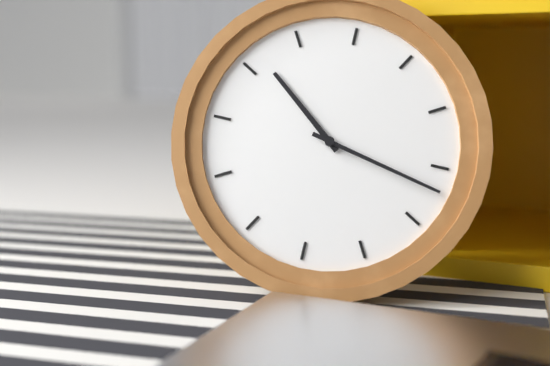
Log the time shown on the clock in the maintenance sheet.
10:17
